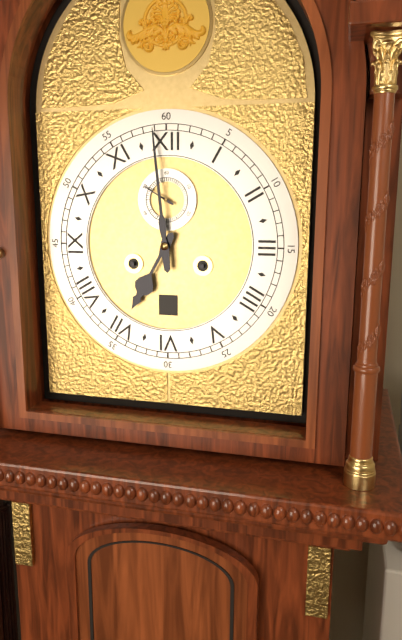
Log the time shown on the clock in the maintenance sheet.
6:59
